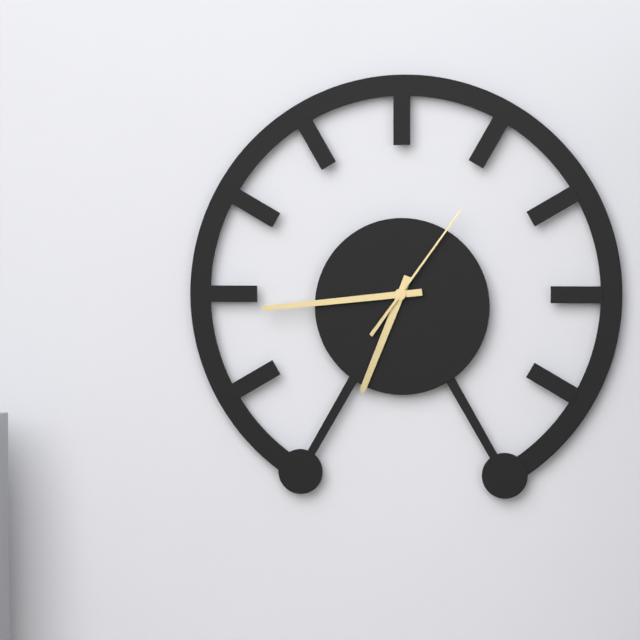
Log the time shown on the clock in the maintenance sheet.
6:44:06
